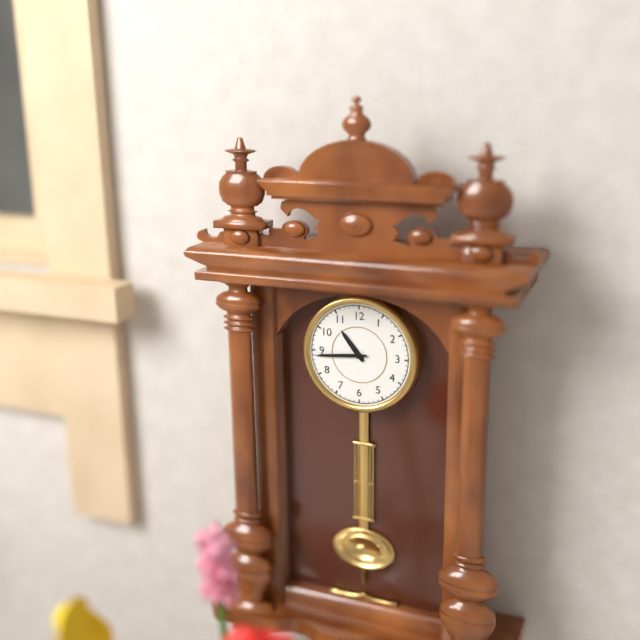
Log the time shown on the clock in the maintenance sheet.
10:44
